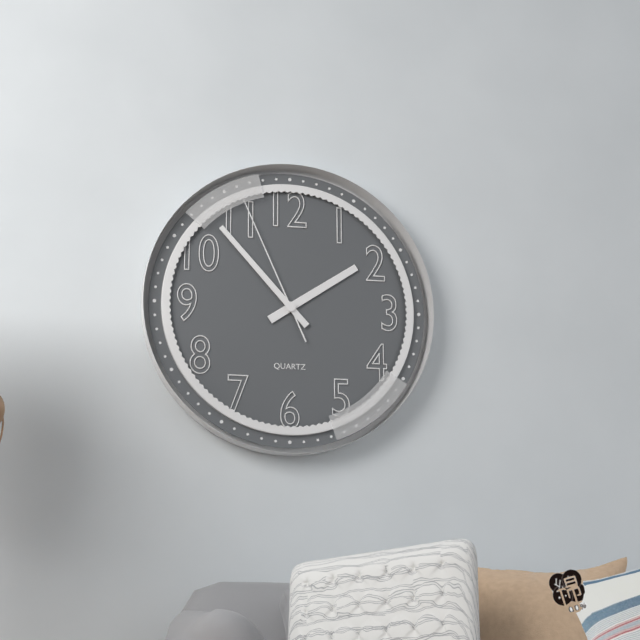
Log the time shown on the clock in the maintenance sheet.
1:53:56
